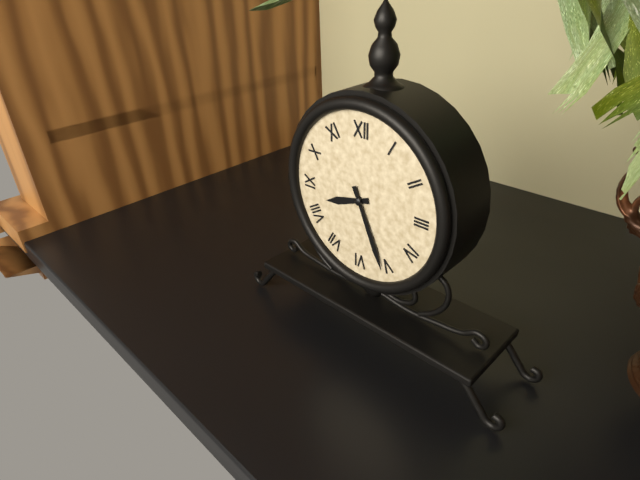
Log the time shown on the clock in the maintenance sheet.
8:26
